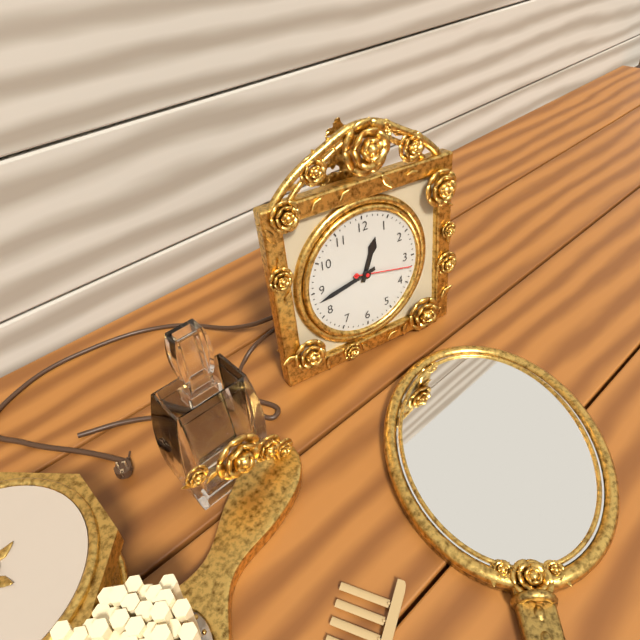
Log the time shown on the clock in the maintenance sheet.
12:43:17
